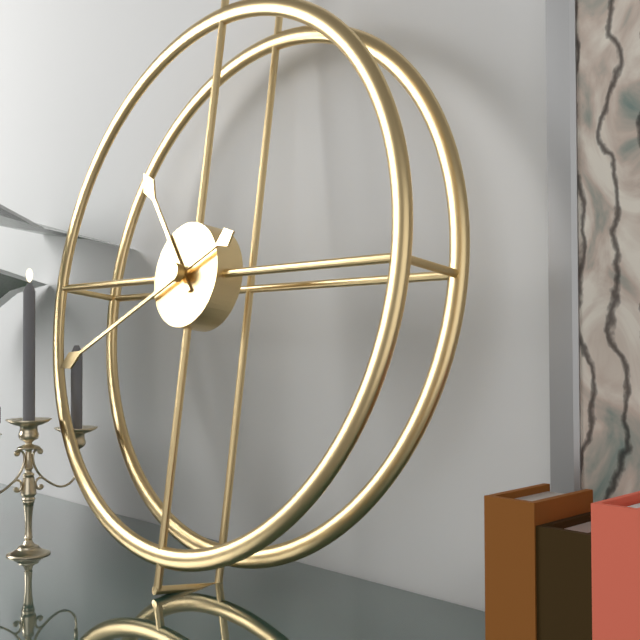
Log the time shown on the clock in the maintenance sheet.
10:41
